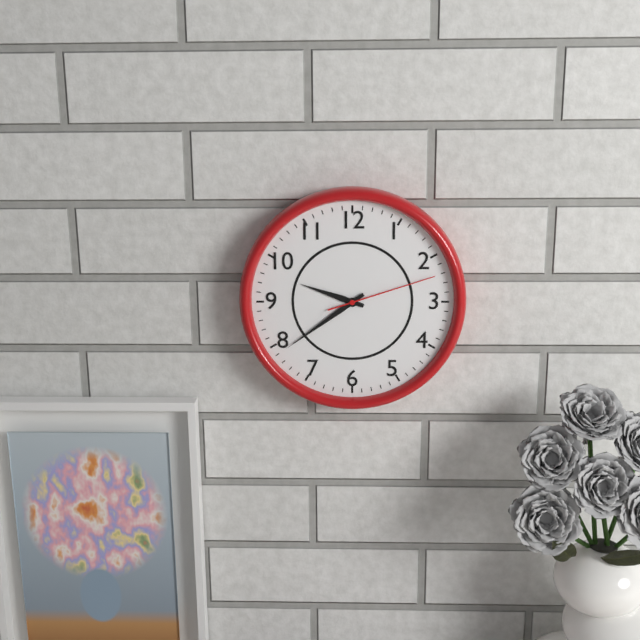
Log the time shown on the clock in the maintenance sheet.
9:39:12
